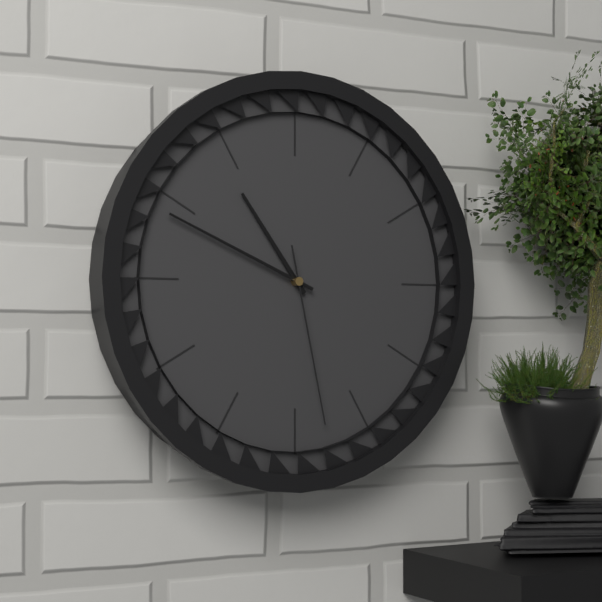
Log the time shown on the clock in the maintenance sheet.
10:49:28
